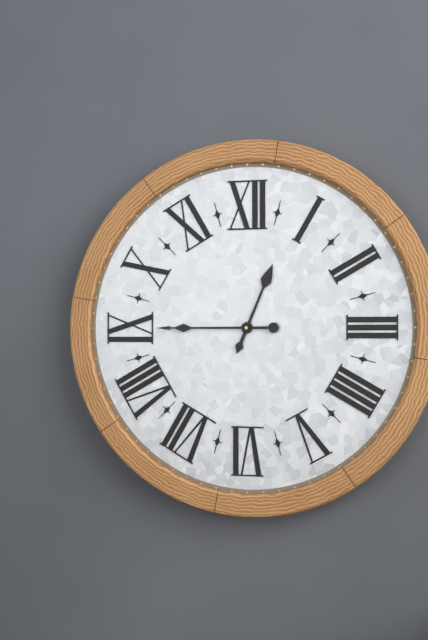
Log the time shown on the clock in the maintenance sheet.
12:45
